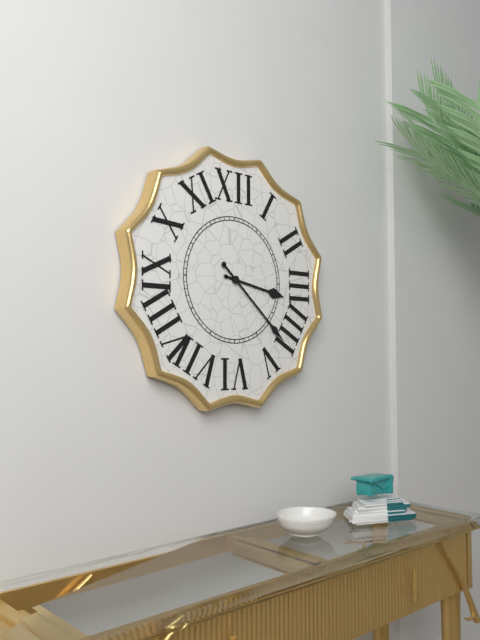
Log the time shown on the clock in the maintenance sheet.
3:22
